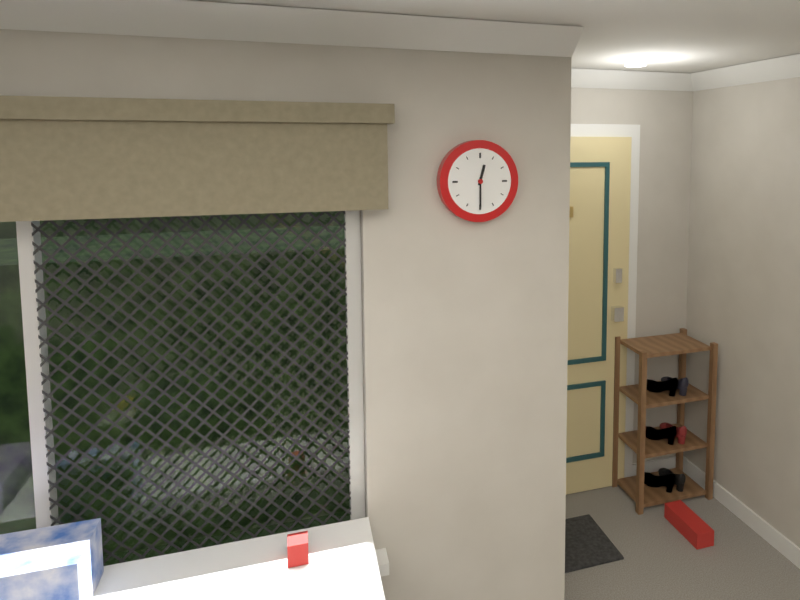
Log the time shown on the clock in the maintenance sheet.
12:30
